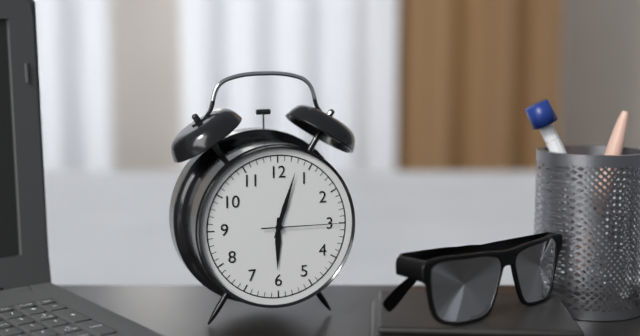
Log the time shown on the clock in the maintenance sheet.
6:03:15
